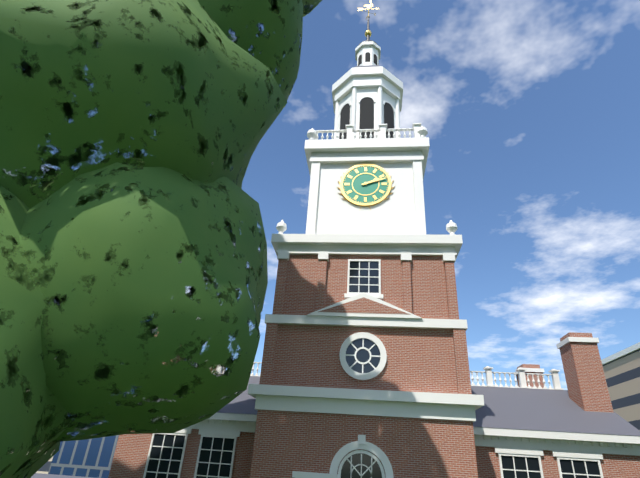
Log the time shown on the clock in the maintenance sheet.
2:12
